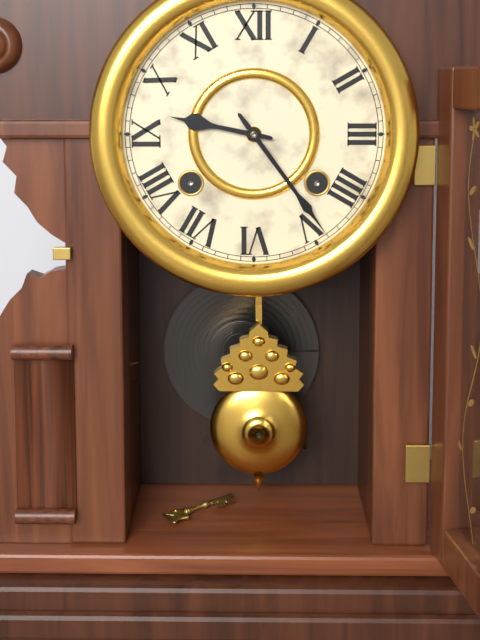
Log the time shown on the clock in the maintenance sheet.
9:24
